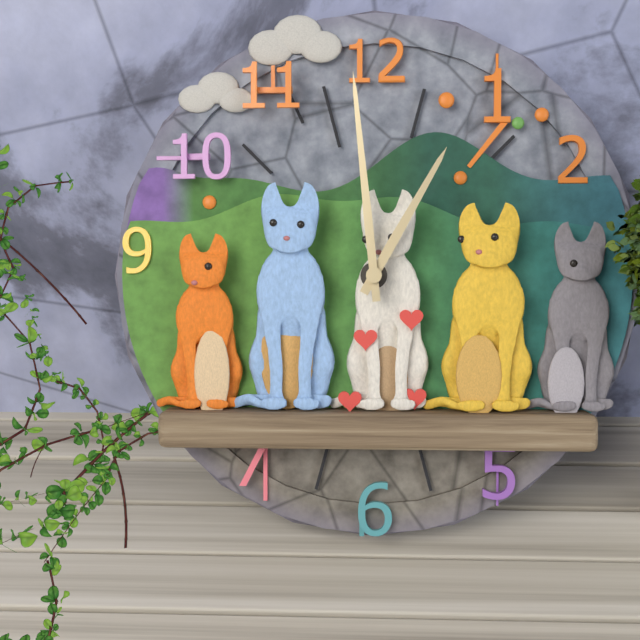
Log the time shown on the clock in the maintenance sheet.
12:59
